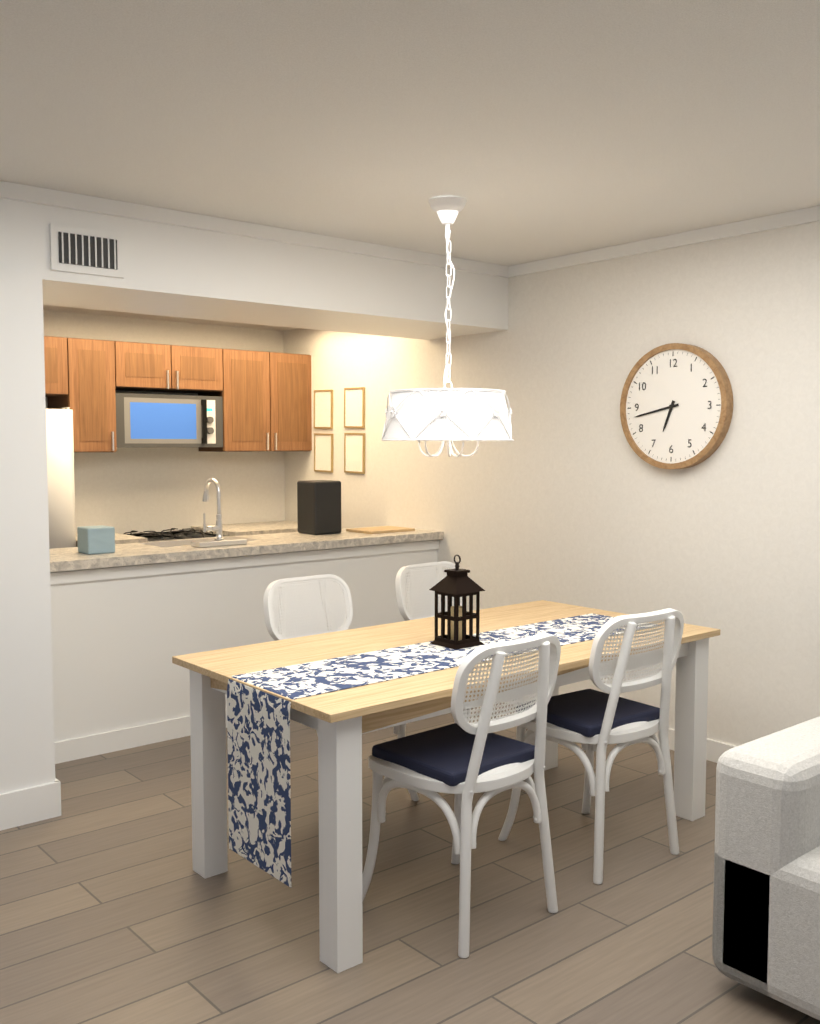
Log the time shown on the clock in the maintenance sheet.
6:43
